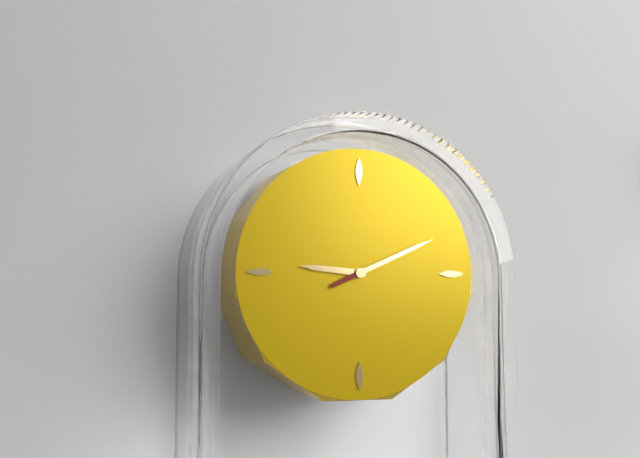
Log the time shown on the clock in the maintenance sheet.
9:11
